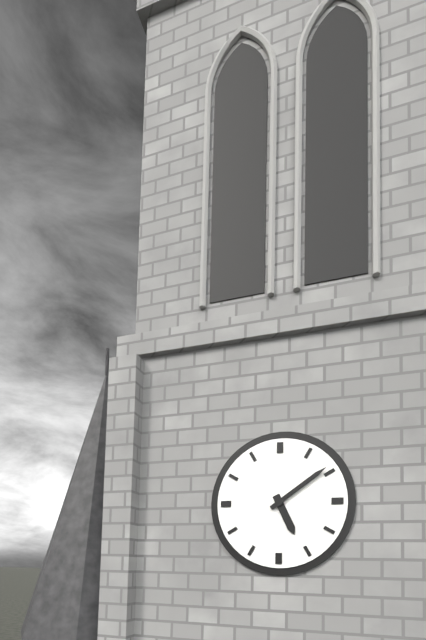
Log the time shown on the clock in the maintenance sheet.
5:09
